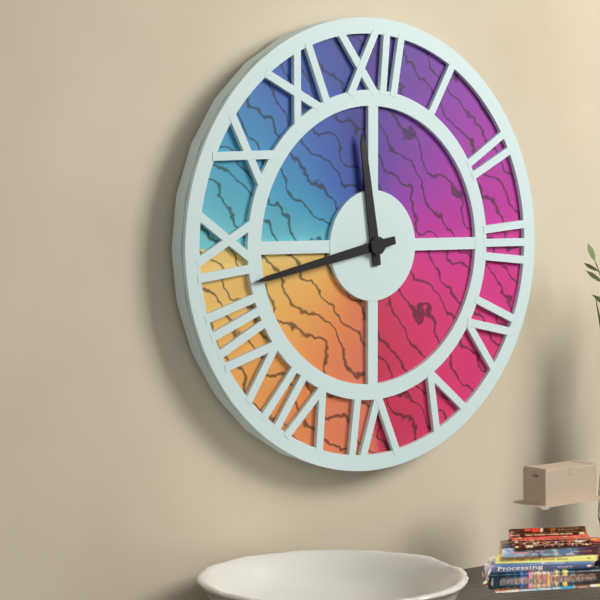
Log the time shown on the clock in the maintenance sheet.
11:43
